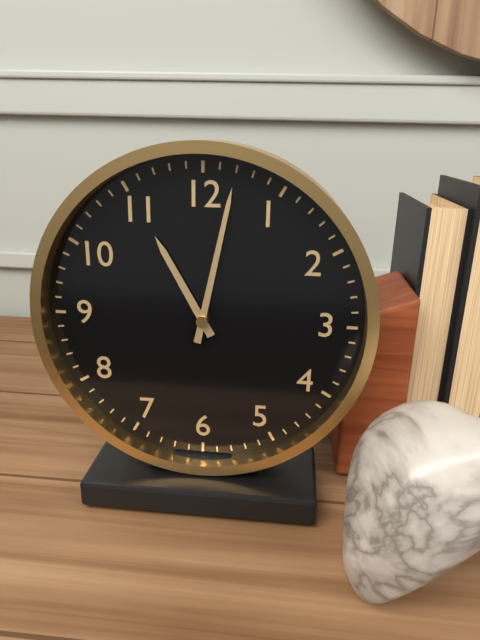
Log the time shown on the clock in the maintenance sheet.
11:02
